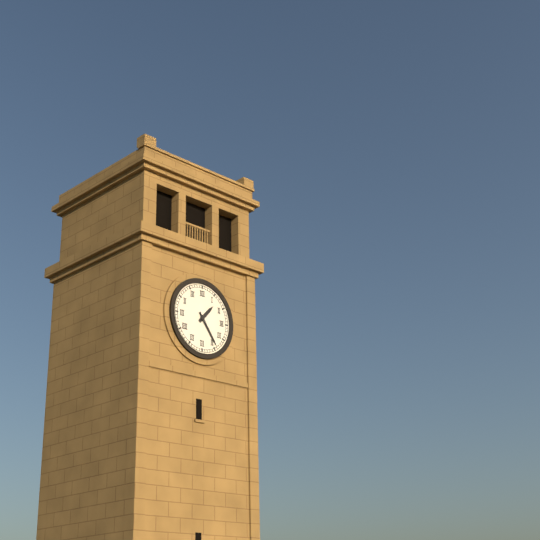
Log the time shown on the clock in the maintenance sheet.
1:24
